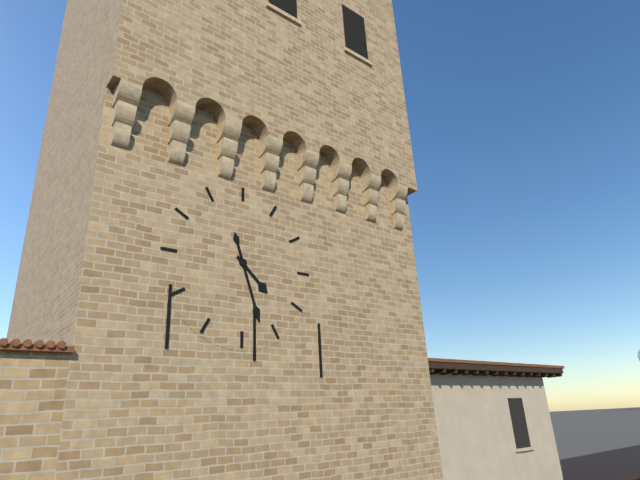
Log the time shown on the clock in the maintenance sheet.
4:27
